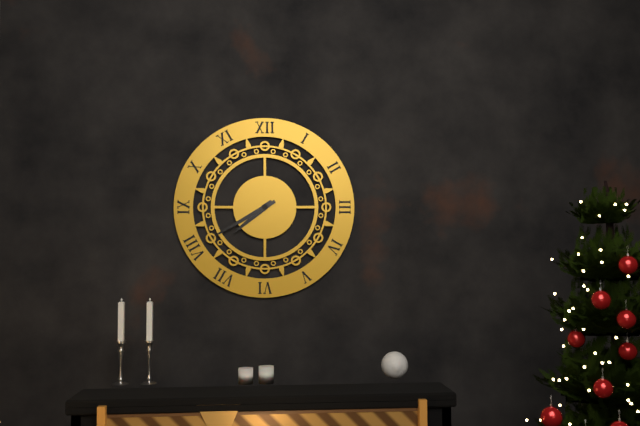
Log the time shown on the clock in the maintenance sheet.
7:40
